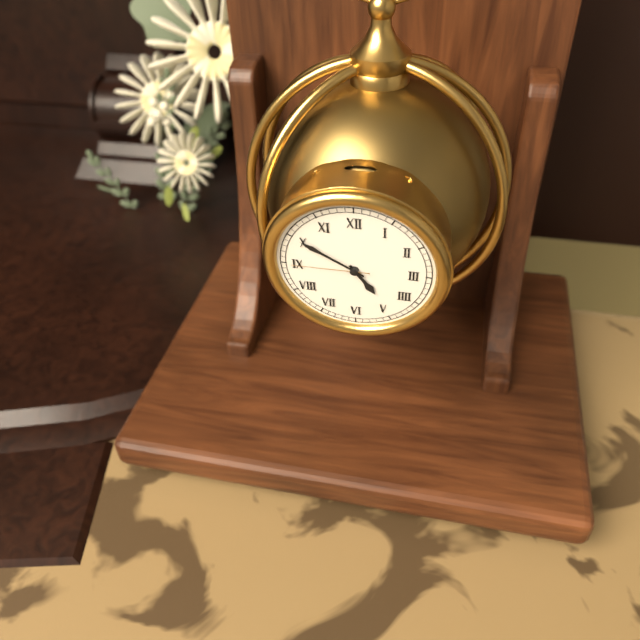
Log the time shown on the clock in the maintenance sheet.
4:50:45
